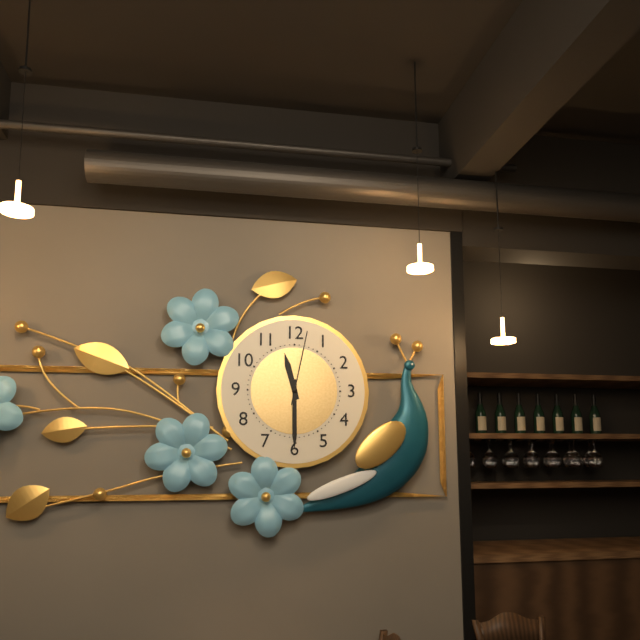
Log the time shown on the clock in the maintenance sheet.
11:30:02
